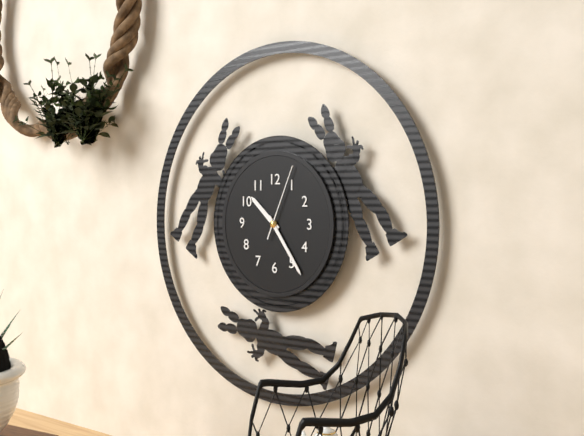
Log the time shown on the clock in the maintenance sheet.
10:24:04
